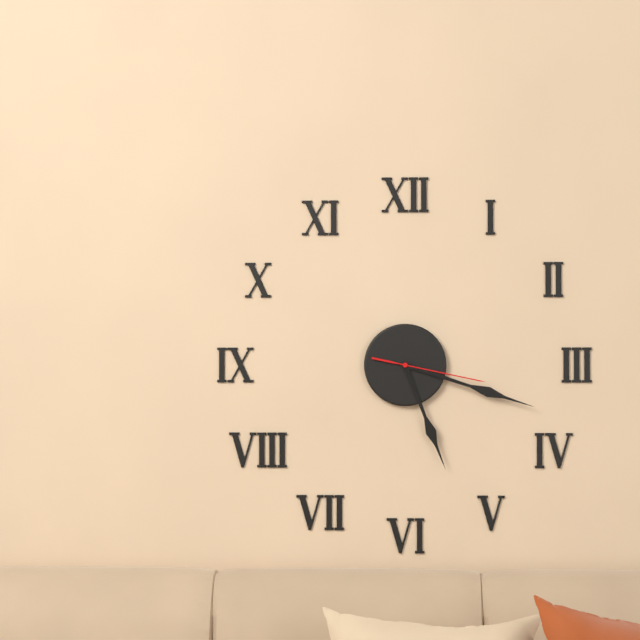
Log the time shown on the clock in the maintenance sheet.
5:18:17
